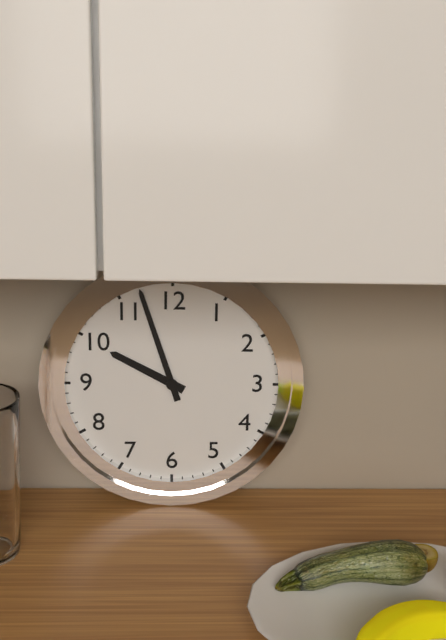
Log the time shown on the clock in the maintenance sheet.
9:57
